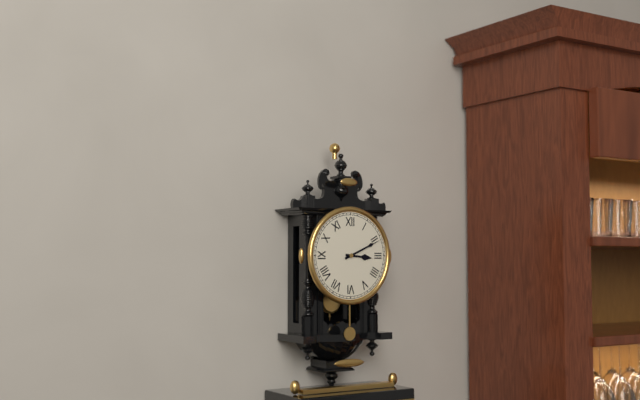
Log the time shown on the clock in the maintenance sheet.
3:11
